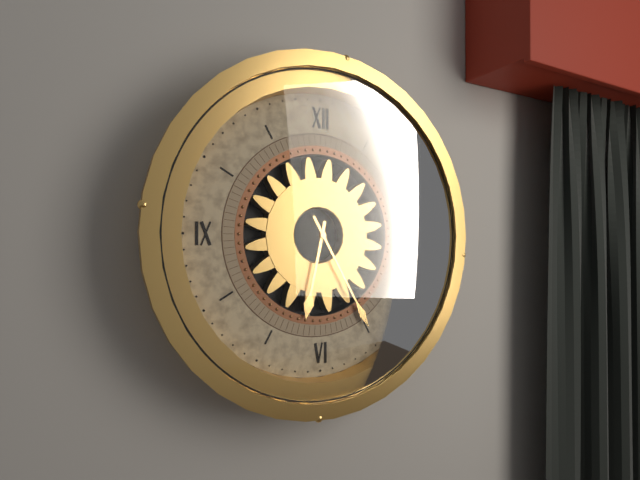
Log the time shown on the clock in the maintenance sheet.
6:25
